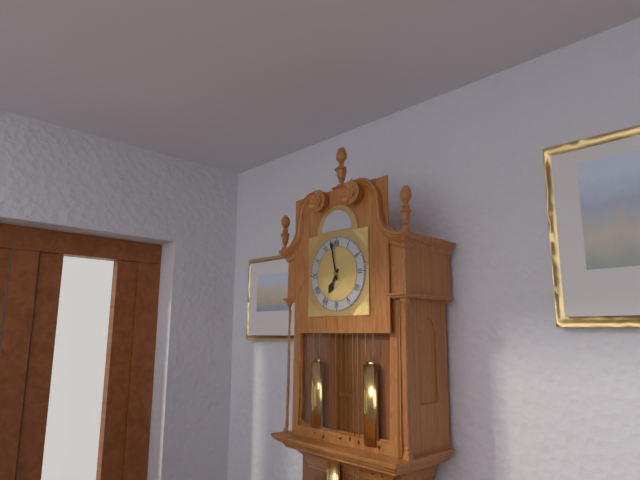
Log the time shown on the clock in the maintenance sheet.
6:58
